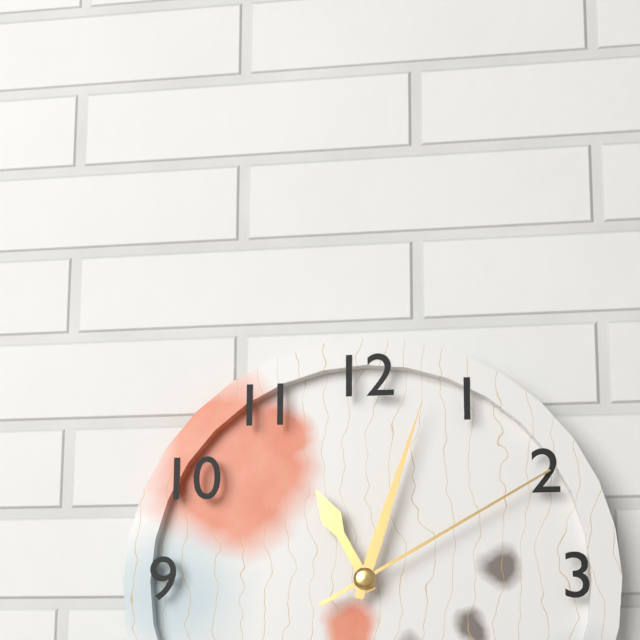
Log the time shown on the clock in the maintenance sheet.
11:03:10
